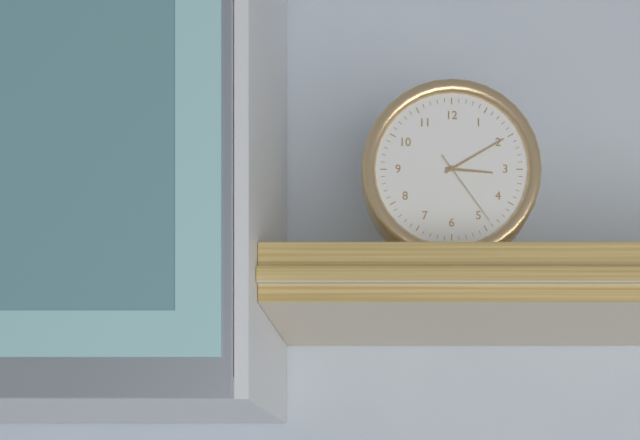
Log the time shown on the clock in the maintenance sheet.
3:10:24
